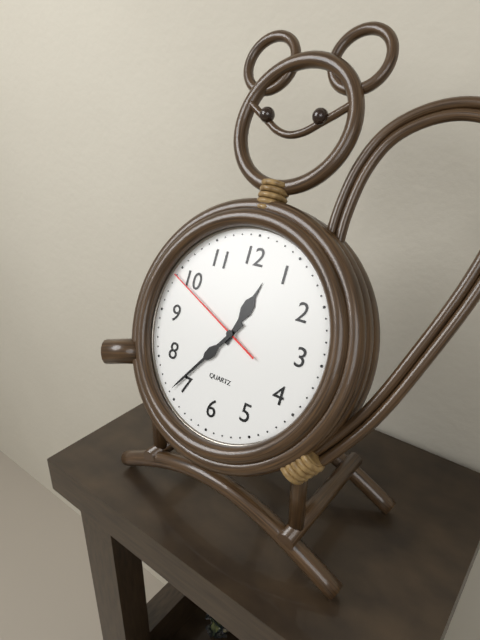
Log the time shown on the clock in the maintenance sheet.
12:36:49
